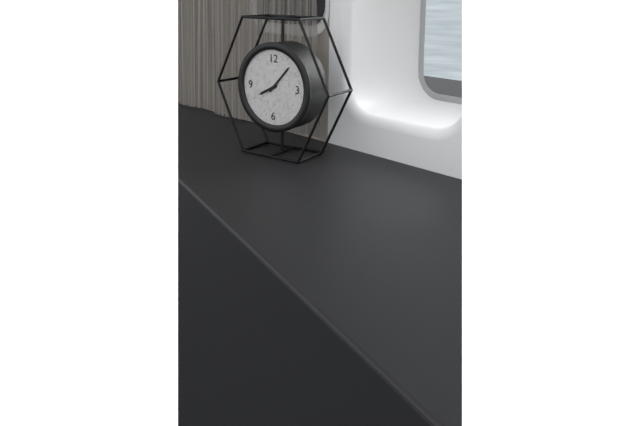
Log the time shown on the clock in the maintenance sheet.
8:07
